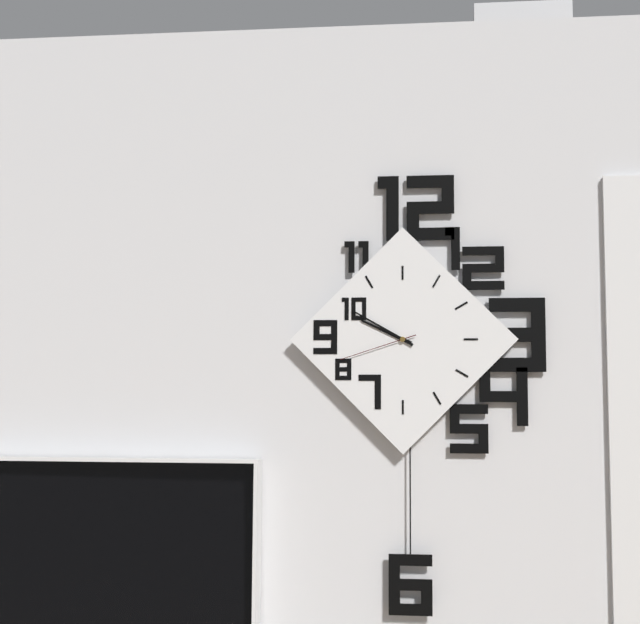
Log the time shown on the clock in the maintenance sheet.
9:50:42
